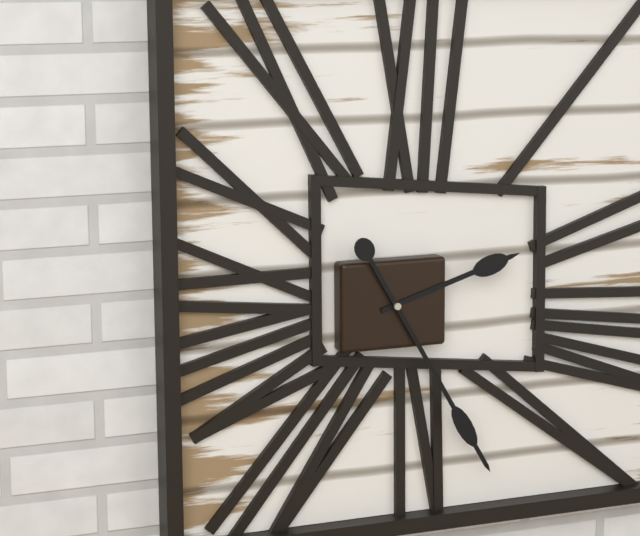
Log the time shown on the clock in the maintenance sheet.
2:25
